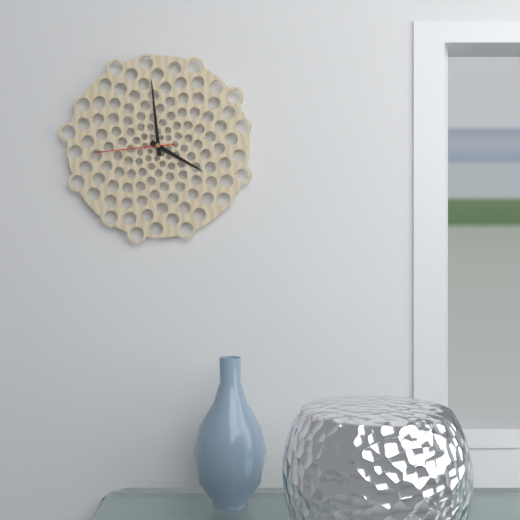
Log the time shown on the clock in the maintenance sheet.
3:59:44
